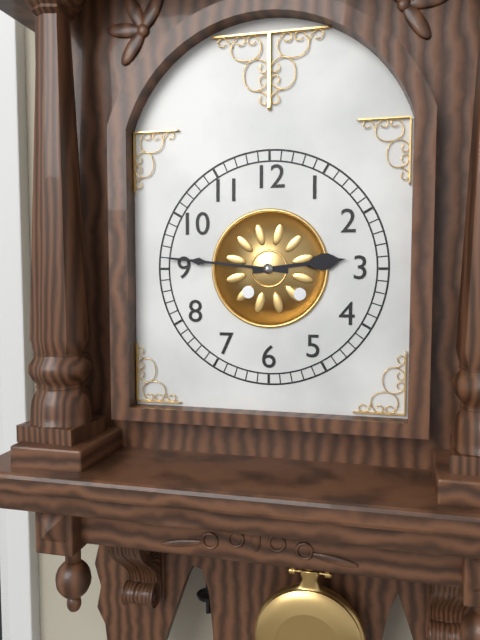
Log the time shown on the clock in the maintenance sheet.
2:46
